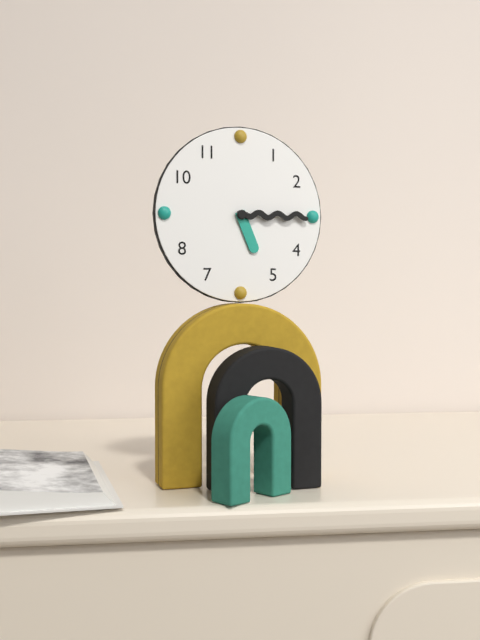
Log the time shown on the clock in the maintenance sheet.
5:15
